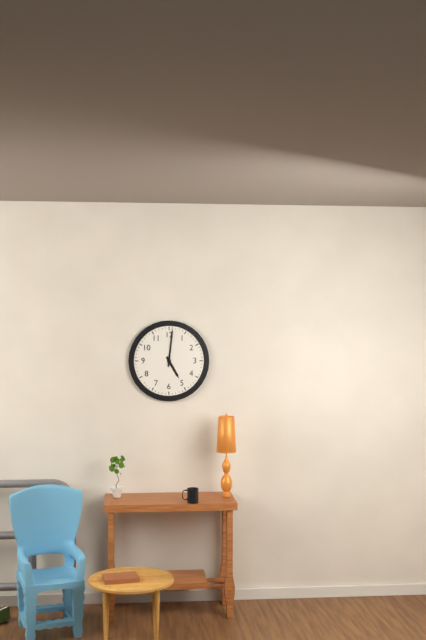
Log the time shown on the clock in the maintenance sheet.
5:01
